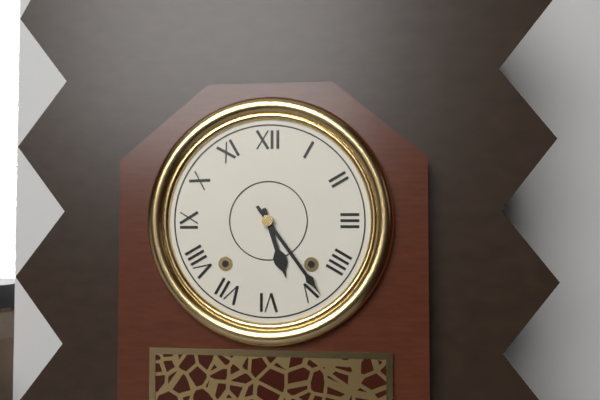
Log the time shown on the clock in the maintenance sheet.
5:24
